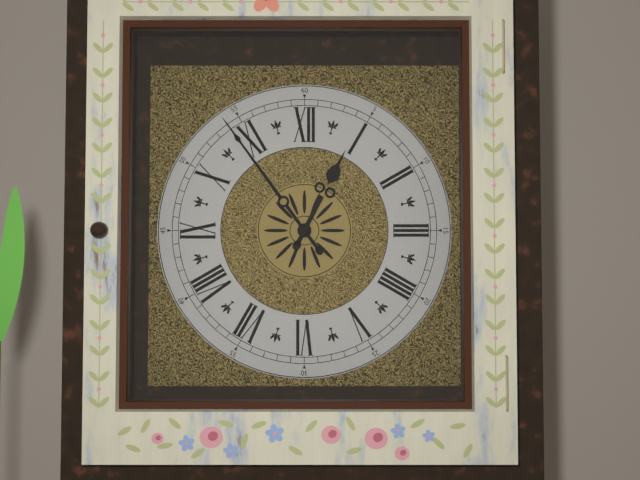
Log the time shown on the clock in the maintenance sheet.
12:54
